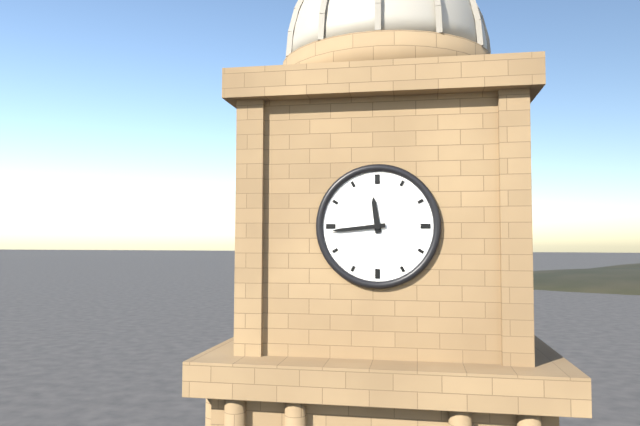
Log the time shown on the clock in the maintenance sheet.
11:44
